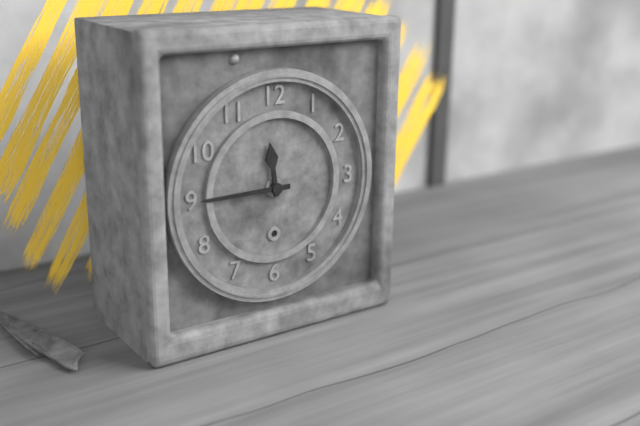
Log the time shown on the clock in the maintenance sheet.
11:45
